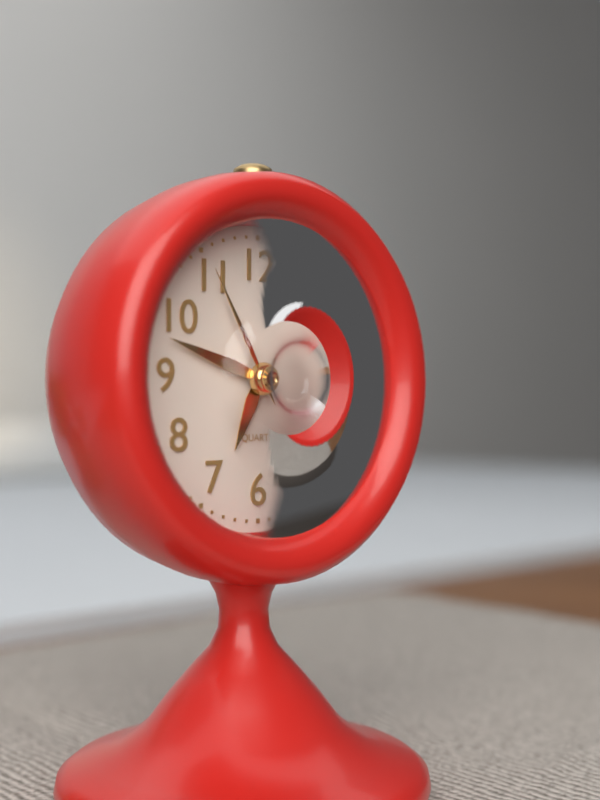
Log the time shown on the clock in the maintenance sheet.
6:48:55
